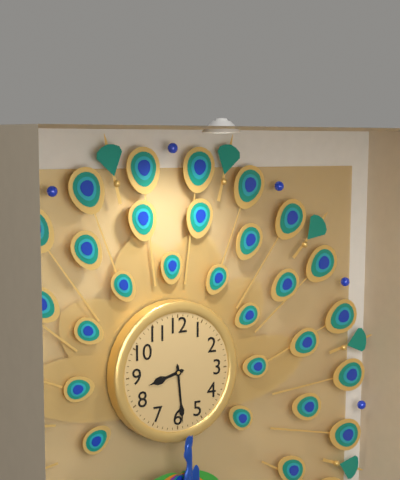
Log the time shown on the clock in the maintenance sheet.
8:29
